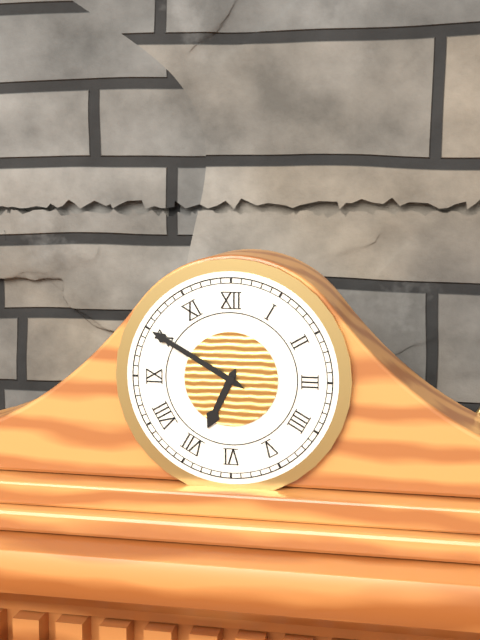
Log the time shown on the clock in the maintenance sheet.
6:50
